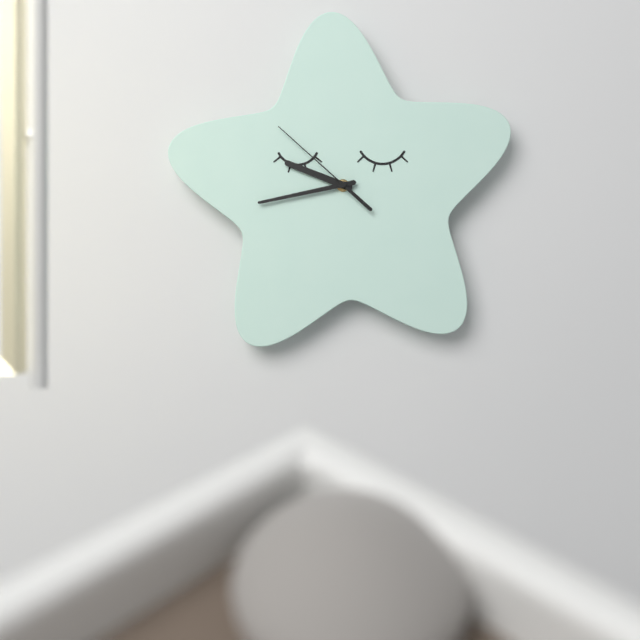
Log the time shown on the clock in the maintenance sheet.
9:43:52
